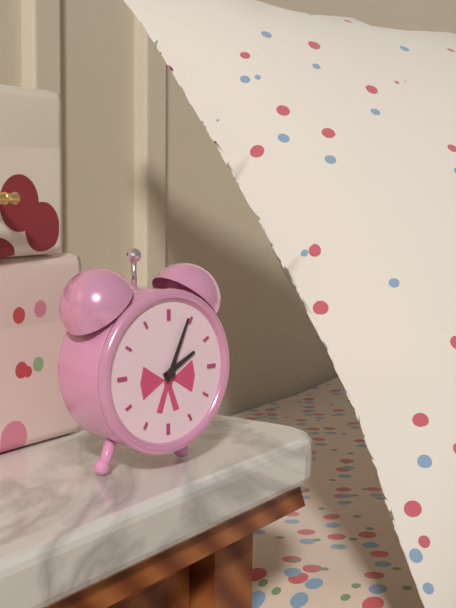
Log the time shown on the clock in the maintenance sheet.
2:04
